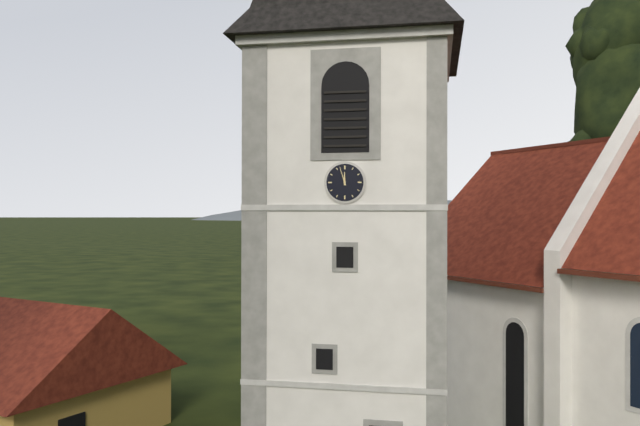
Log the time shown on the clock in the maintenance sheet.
11:57
